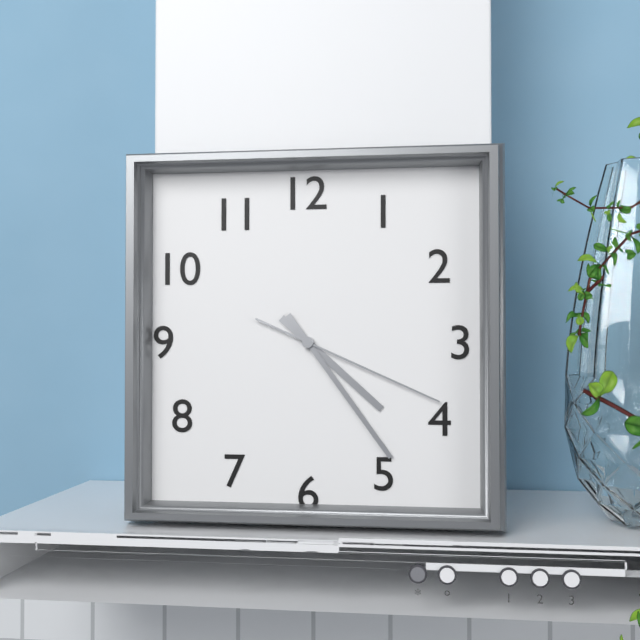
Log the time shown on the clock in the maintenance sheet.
4:24:19
